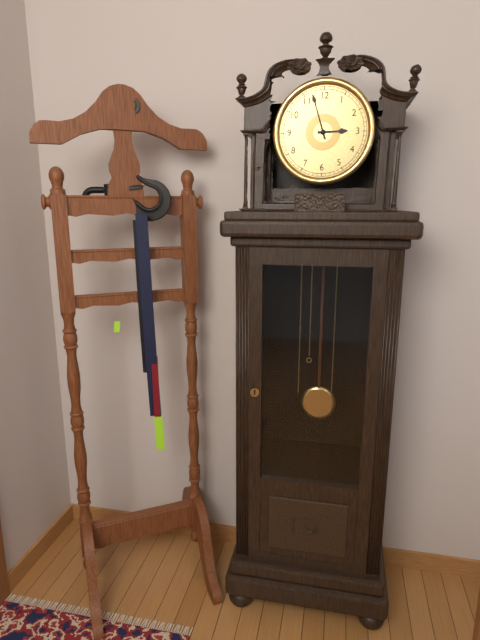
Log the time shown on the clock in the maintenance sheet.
2:57
